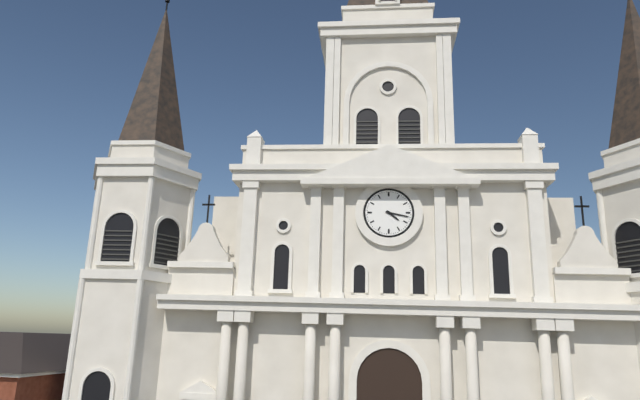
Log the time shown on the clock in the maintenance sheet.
4:17
